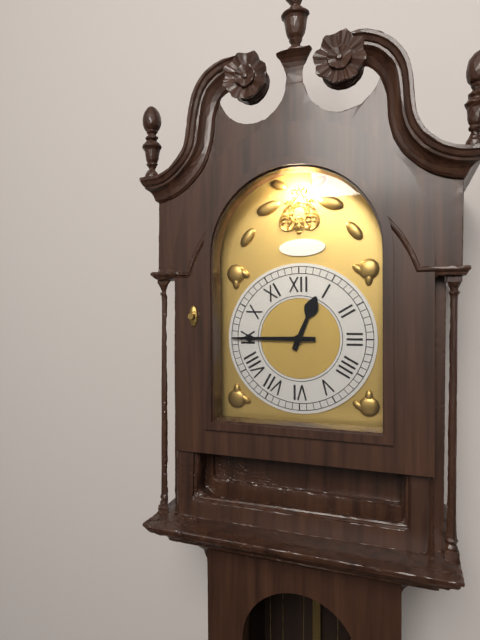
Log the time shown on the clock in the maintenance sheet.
12:45
